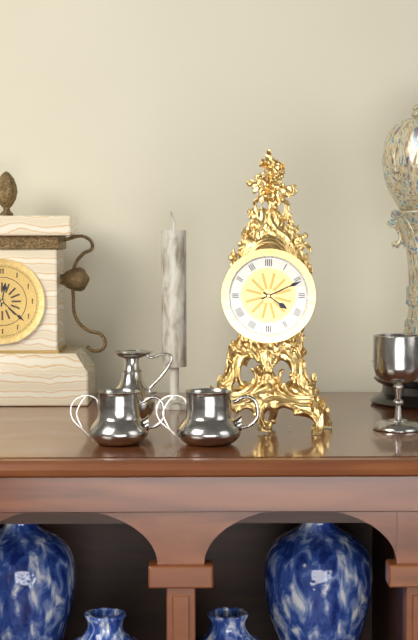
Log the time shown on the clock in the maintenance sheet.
4:11
